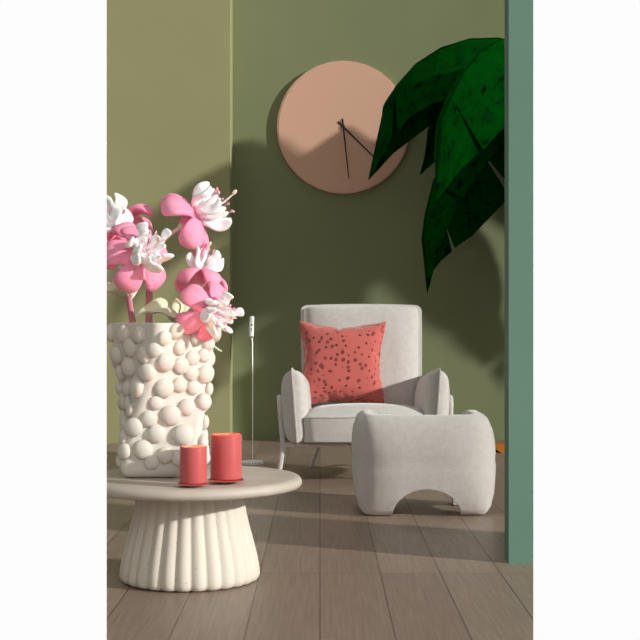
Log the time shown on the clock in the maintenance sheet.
4:29
